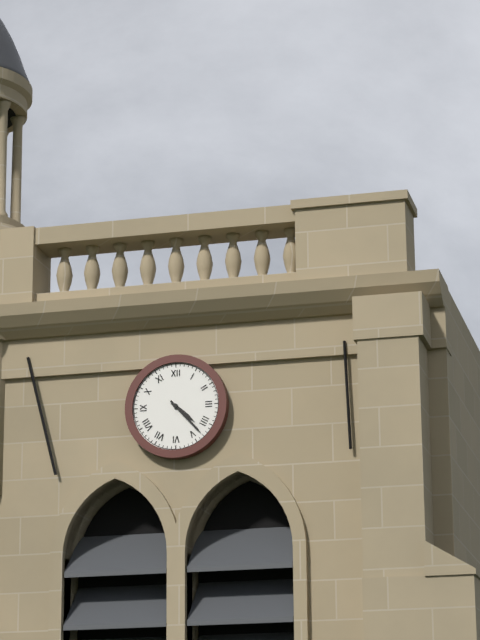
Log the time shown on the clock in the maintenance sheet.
4:23
